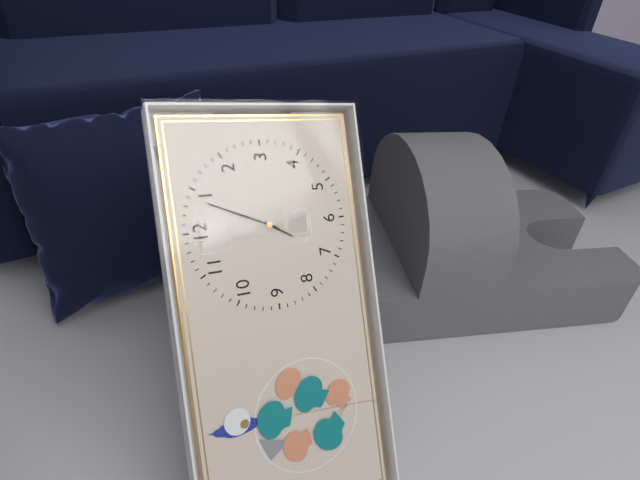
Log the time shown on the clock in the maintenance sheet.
7:04
